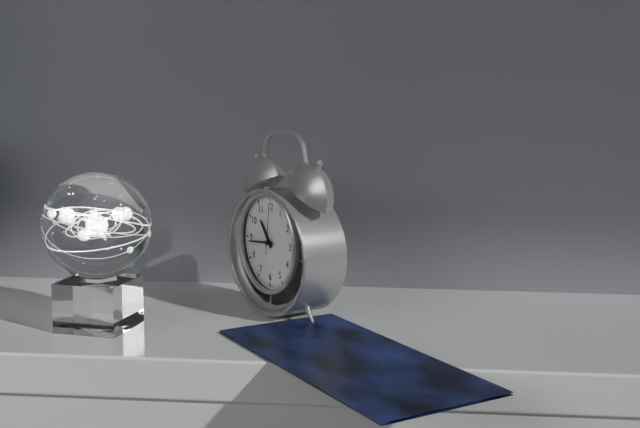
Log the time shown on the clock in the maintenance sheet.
10:44:01
